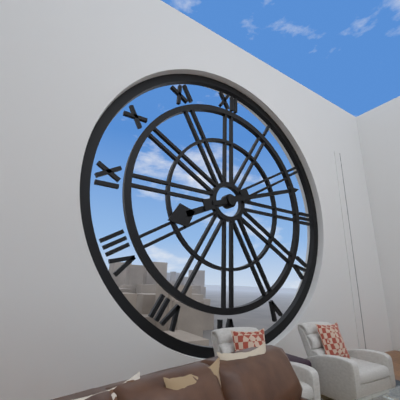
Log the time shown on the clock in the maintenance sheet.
8:12
